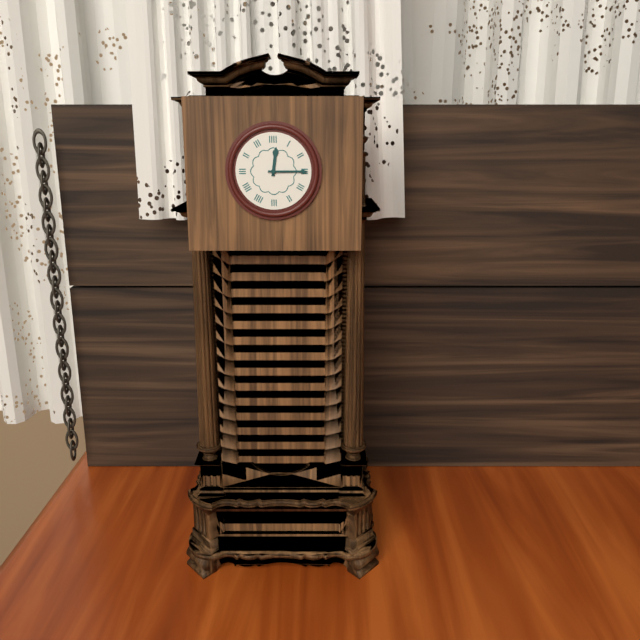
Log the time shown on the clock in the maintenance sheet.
12:15
